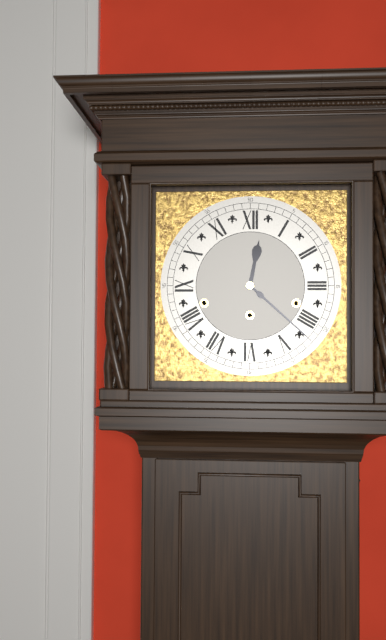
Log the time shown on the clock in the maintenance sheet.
12:22
